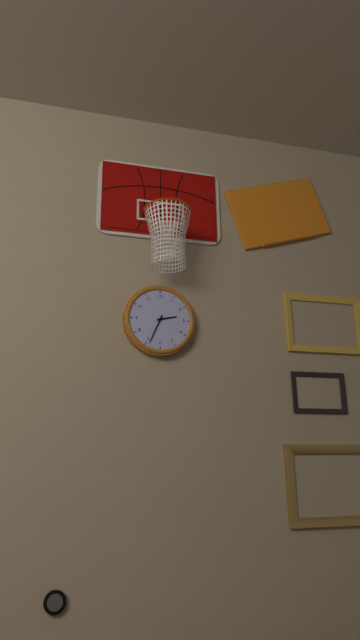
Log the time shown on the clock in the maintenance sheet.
2:34
